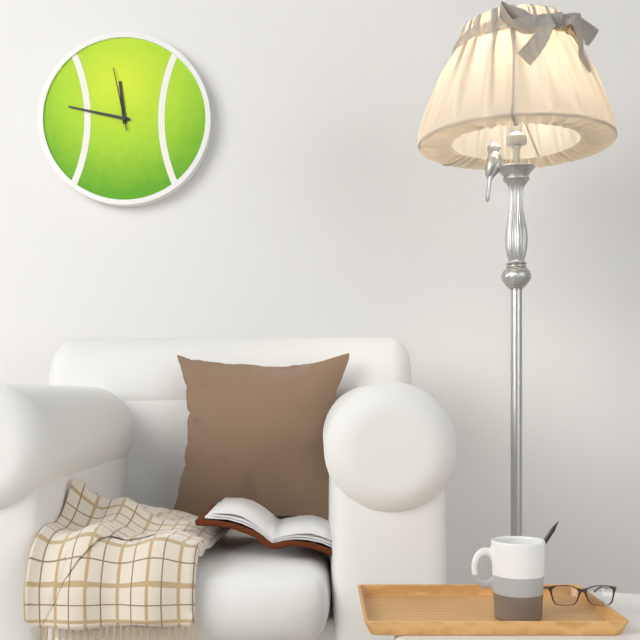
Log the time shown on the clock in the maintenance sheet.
11:47:58
